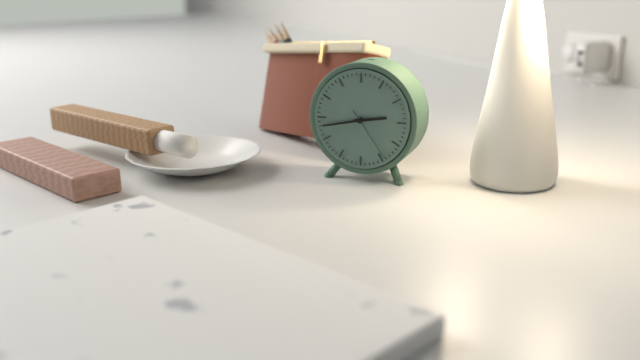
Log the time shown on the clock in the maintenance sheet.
2:43:24
